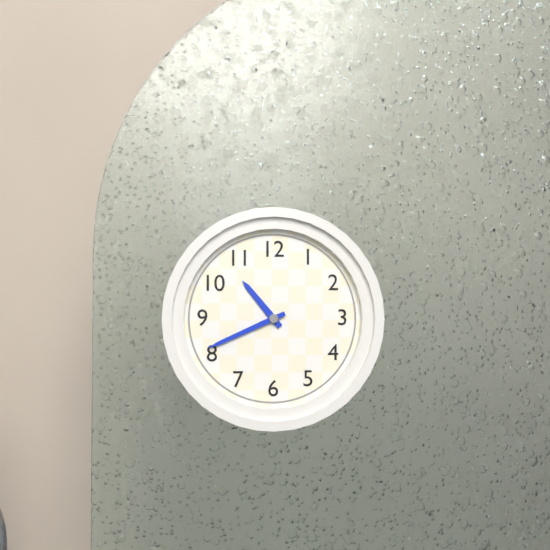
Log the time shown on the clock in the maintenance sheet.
10:41
